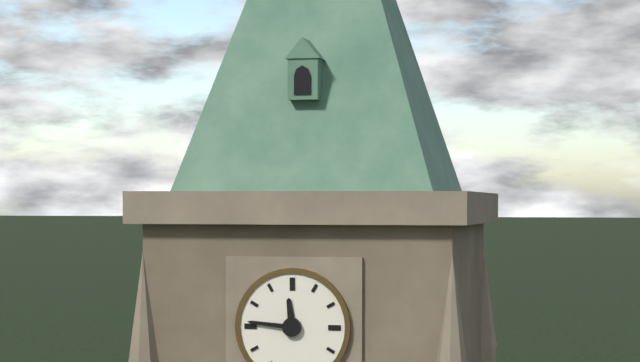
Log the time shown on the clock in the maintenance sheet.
11:46
